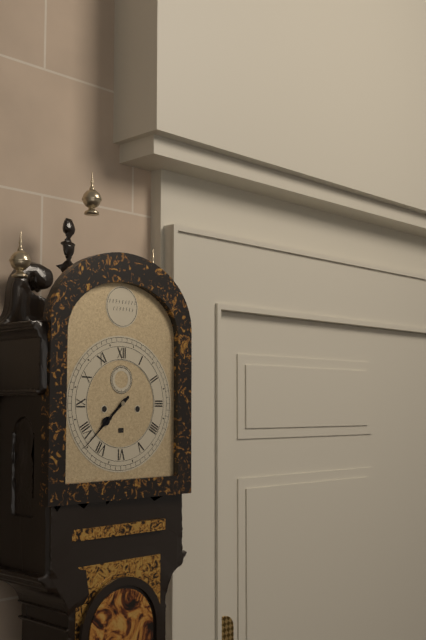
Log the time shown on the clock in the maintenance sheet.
7:38
